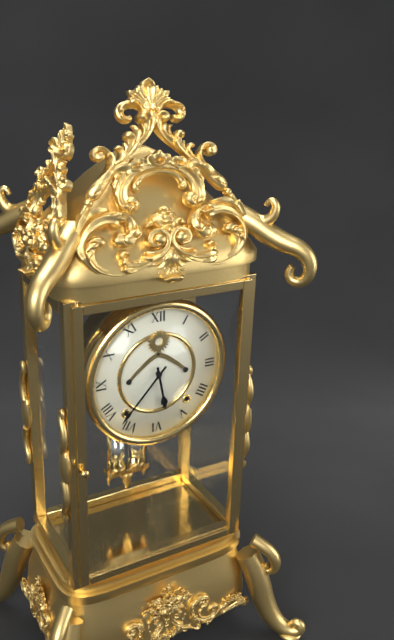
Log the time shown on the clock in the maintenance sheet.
5:37
